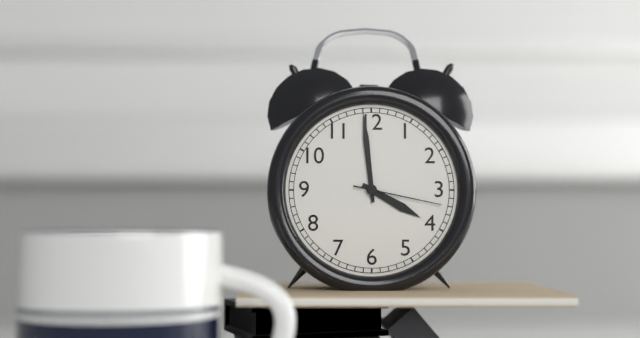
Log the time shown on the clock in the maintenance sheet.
3:59:17
